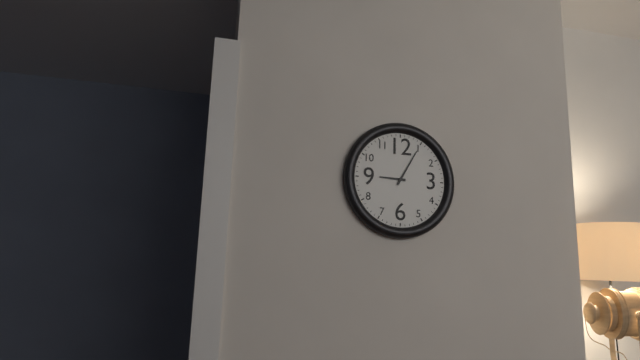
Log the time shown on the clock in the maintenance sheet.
9:05
